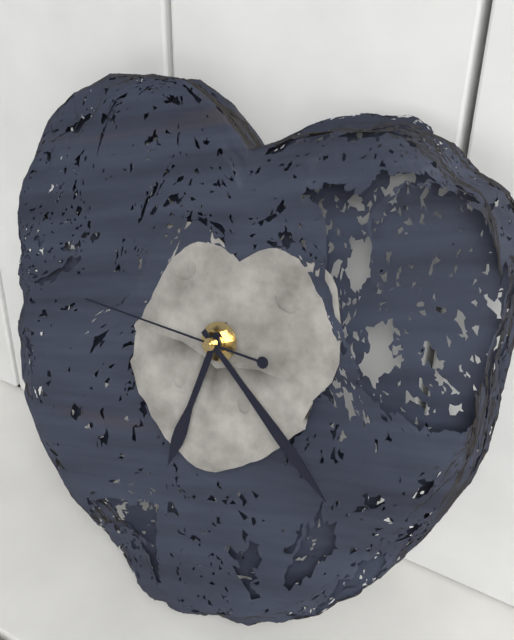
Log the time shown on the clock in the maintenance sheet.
6:21:45
